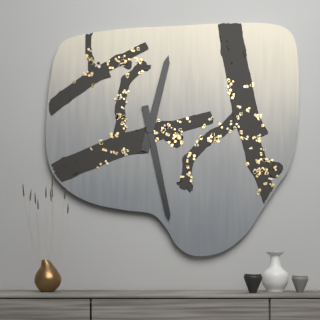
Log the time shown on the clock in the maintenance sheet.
12:28
